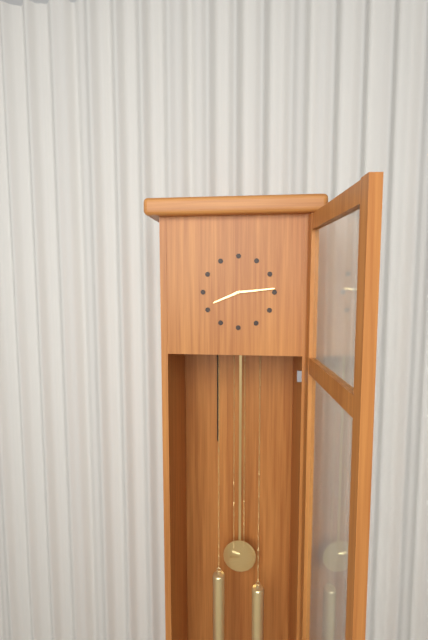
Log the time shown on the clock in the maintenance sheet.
8:14
